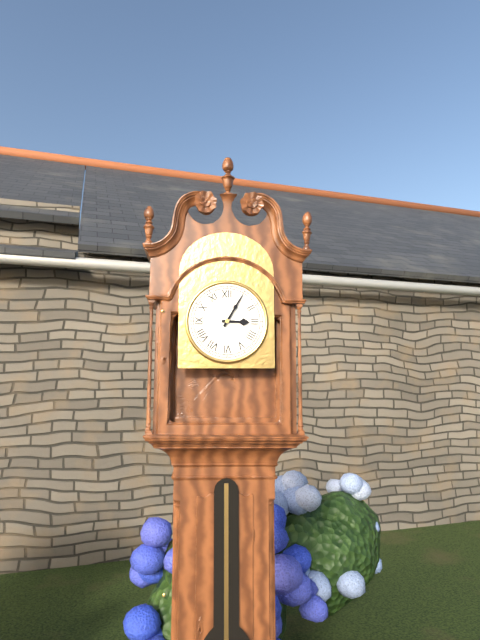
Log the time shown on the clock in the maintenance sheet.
3:05
